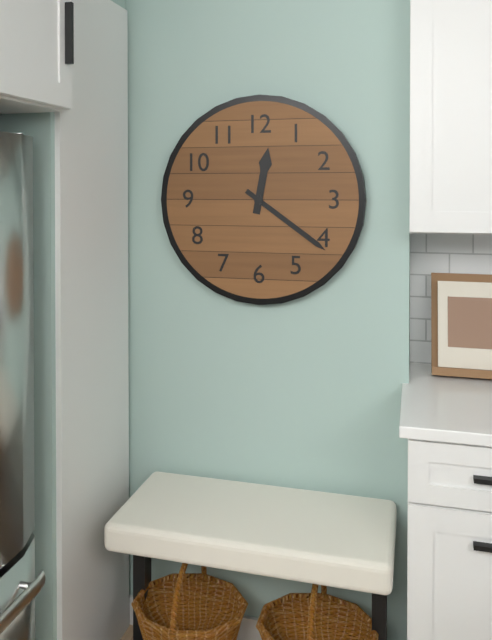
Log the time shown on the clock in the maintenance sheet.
12:21
